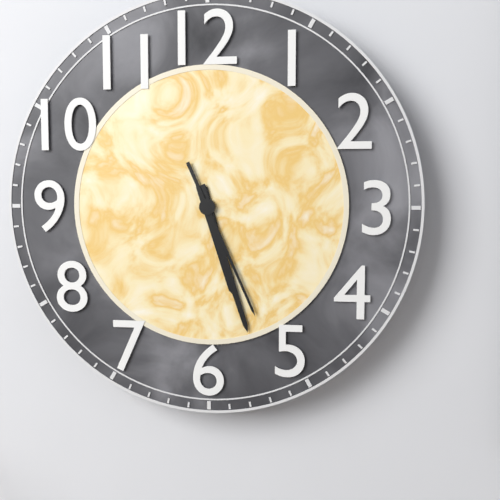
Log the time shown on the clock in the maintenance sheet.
5:27:26
